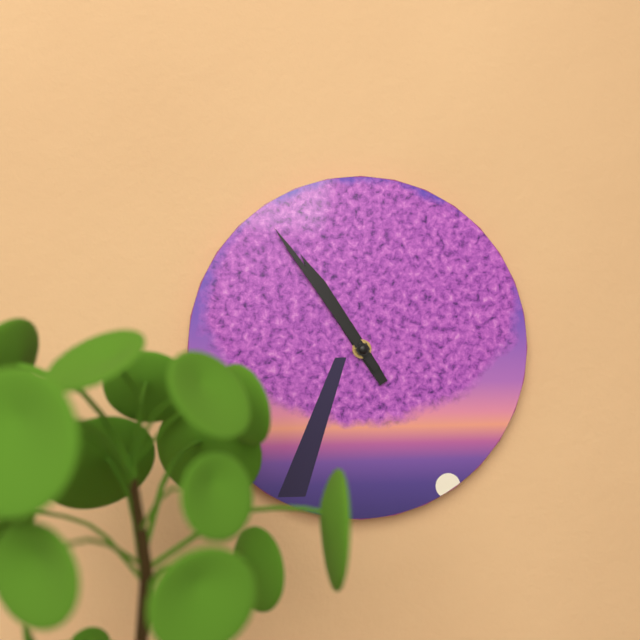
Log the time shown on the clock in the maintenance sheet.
10:54
